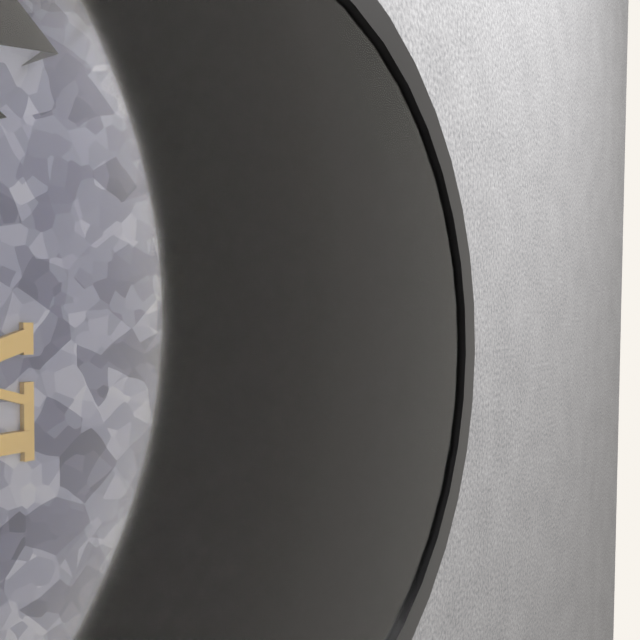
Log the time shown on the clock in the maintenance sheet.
1:04
